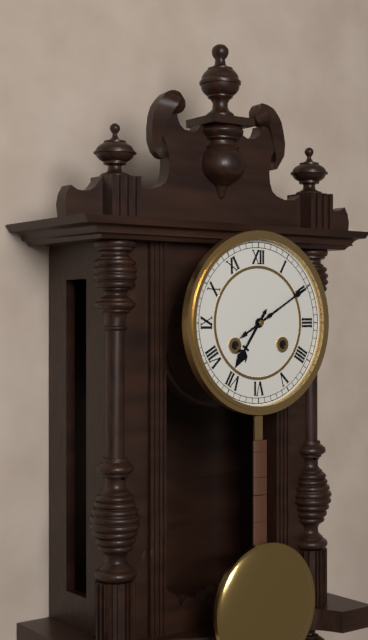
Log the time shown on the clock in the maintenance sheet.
7:10
